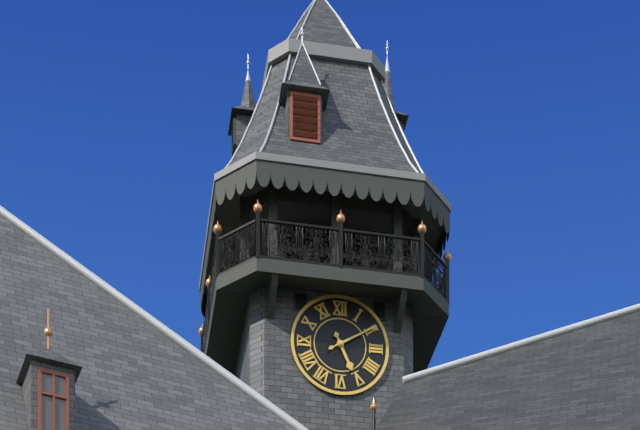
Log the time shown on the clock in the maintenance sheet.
5:10
